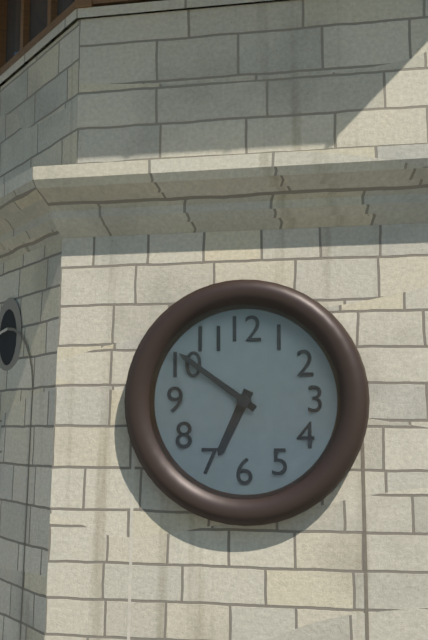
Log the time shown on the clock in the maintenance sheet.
6:51
